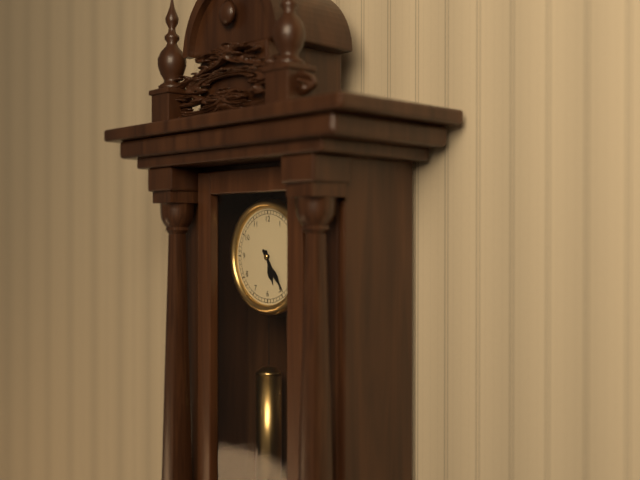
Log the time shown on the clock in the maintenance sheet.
5:24
